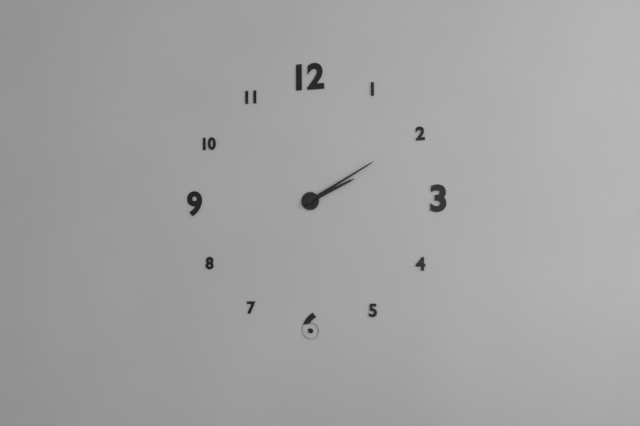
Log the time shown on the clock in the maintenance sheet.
2:10
